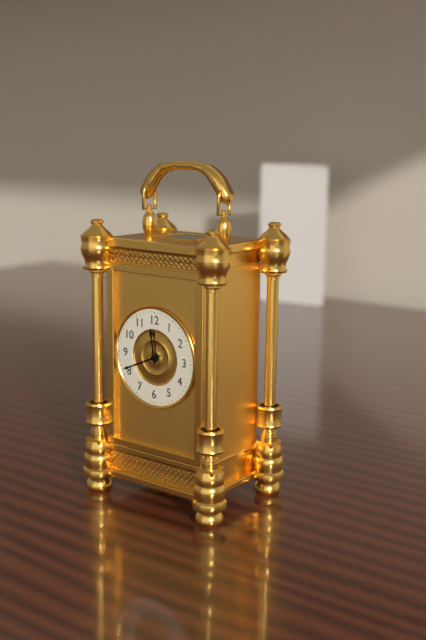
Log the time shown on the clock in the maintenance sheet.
11:41
